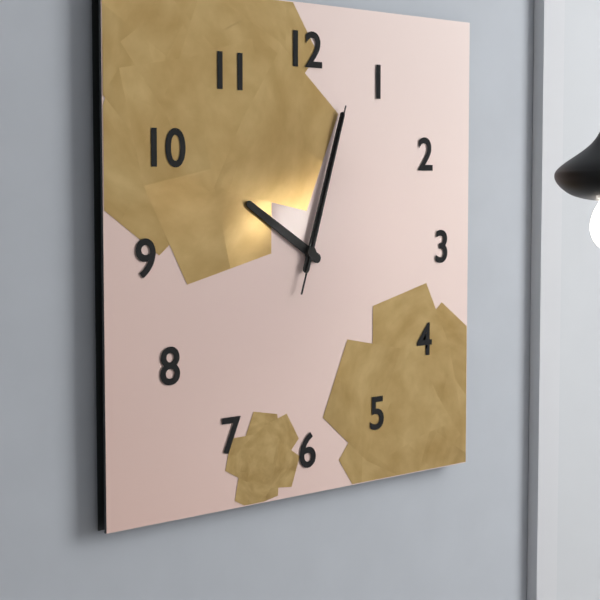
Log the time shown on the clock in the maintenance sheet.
10:03:03
